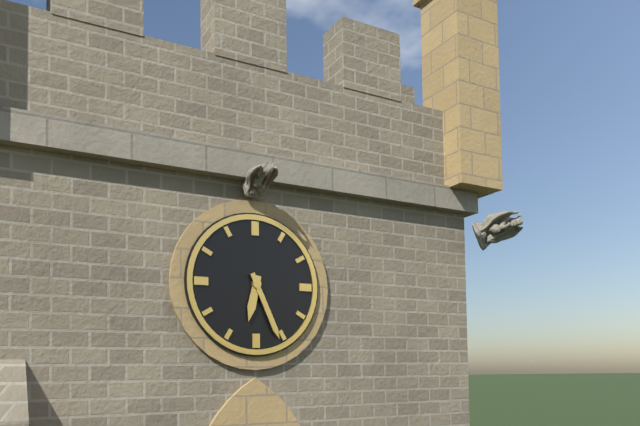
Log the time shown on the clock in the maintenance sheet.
6:26
